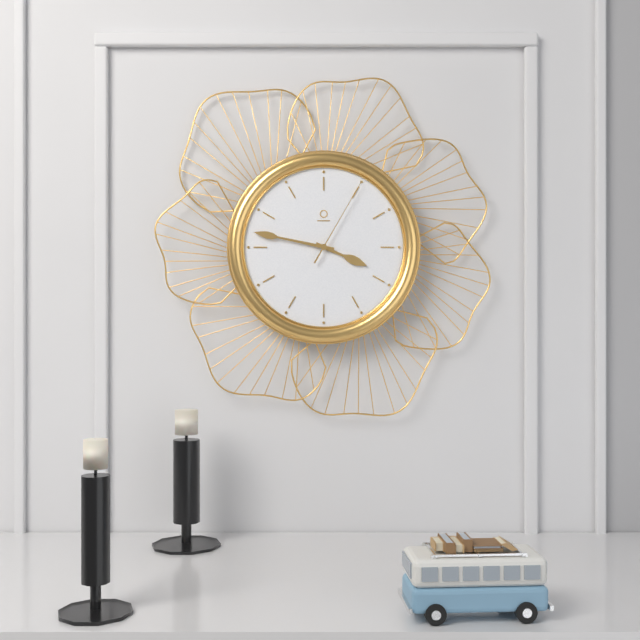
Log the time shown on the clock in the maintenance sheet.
3:47:05
